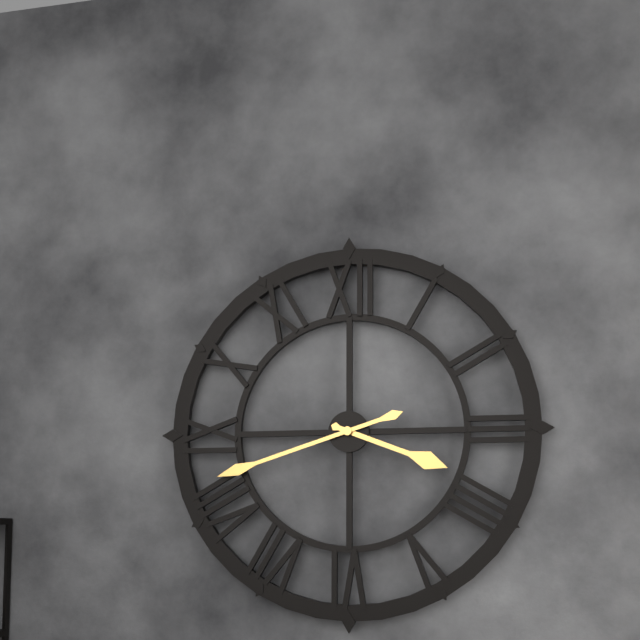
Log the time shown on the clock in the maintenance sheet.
3:42
